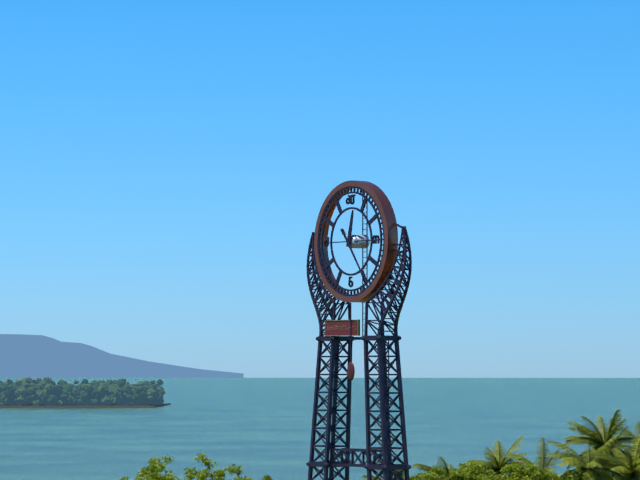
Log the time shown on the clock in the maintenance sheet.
12:24
